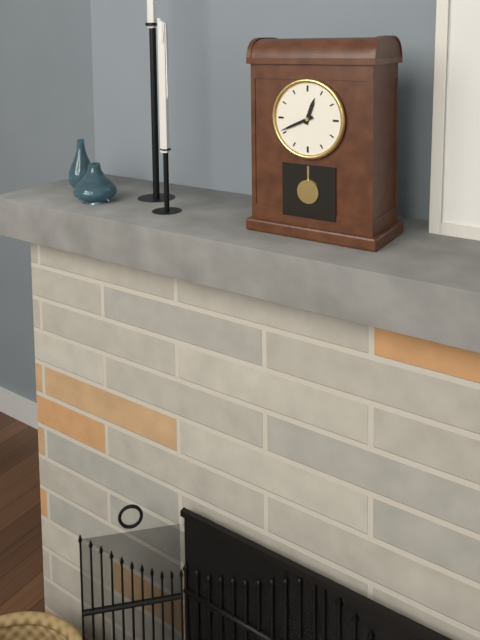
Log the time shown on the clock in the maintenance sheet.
12:41
